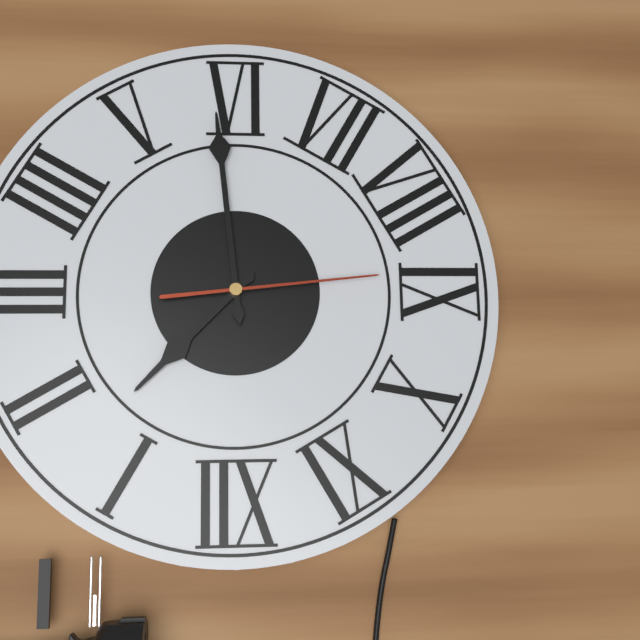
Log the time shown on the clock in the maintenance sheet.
1:29:44
